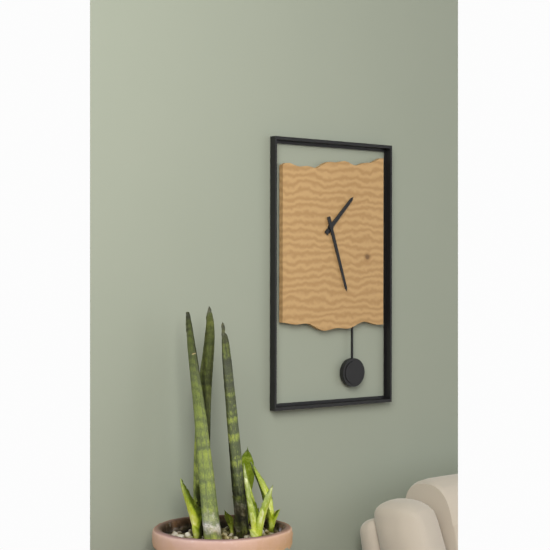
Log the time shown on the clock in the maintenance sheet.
1:27
